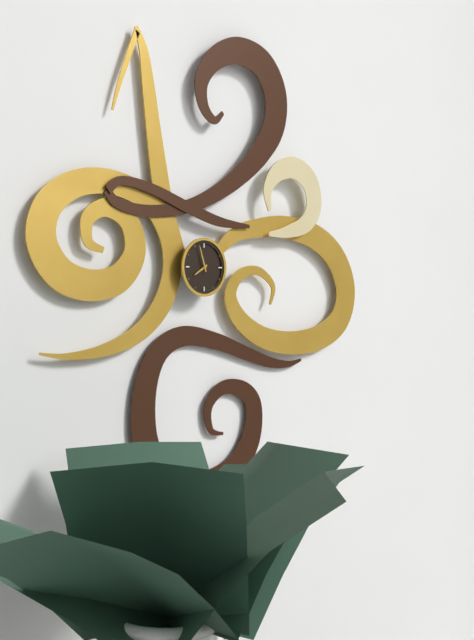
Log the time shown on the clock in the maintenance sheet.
7:57
